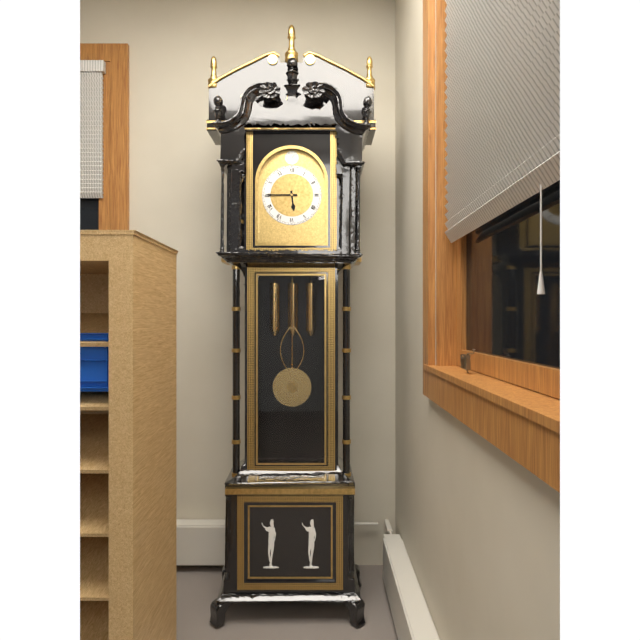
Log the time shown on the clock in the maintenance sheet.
5:45
